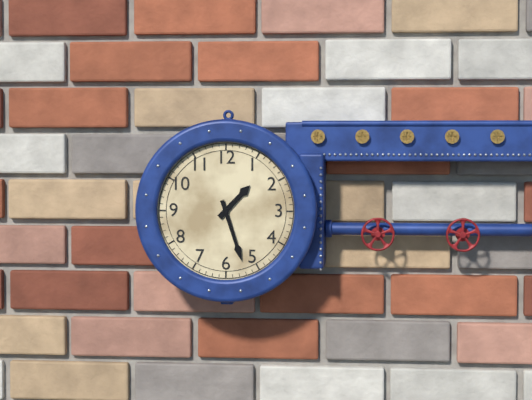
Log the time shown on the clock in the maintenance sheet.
1:27
